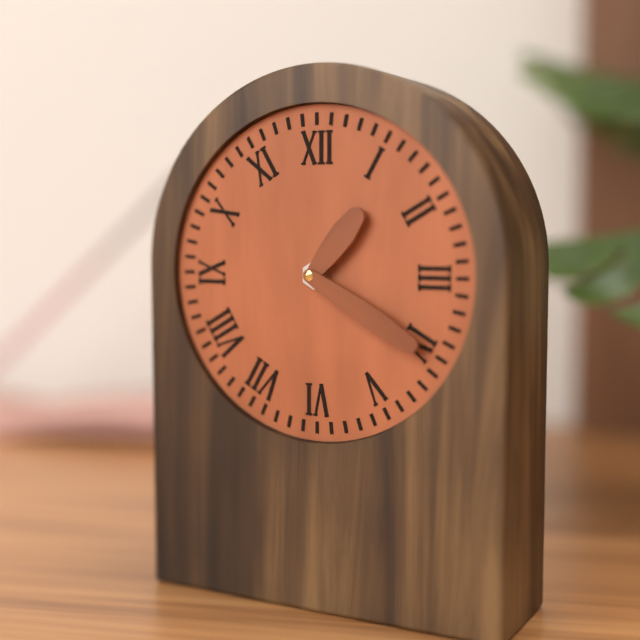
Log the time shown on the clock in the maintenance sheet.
1:20
